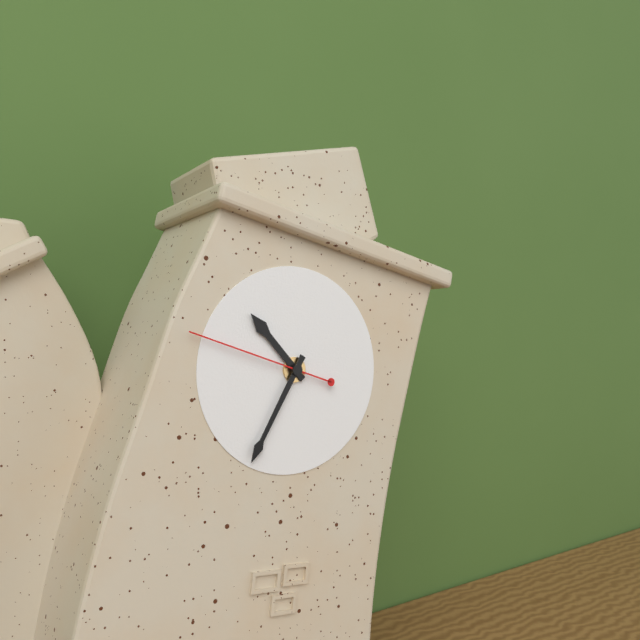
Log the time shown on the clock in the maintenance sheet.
10:35:48
